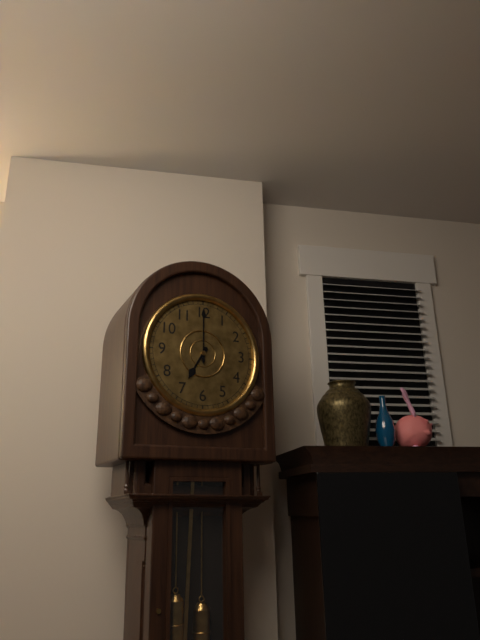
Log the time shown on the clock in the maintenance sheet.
7:00
